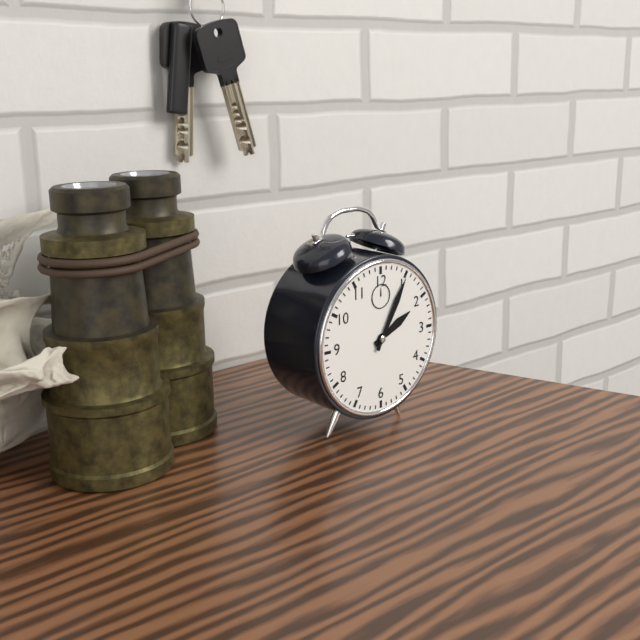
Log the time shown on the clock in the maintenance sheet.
2:05
